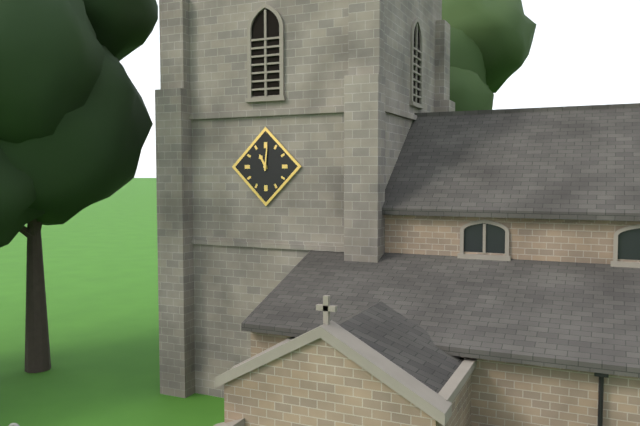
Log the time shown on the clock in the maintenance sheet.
11:01
